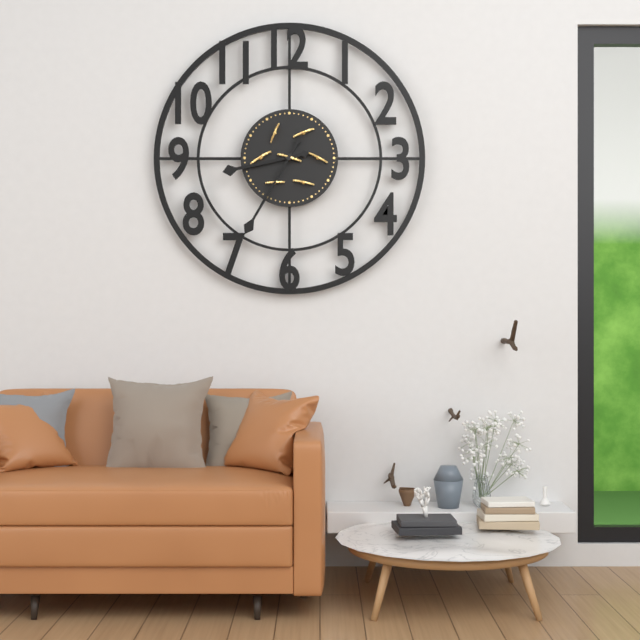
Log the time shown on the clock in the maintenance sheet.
8:35
